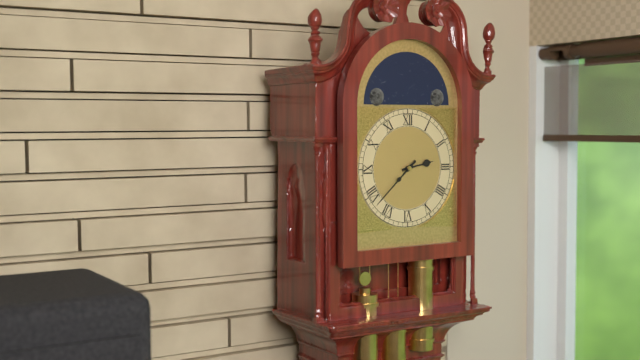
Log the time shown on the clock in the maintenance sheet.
2:38
